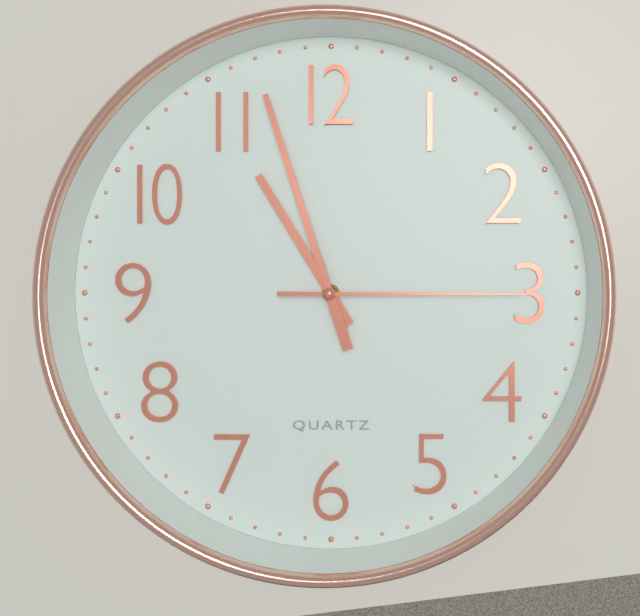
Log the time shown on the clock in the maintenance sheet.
10:57:15
